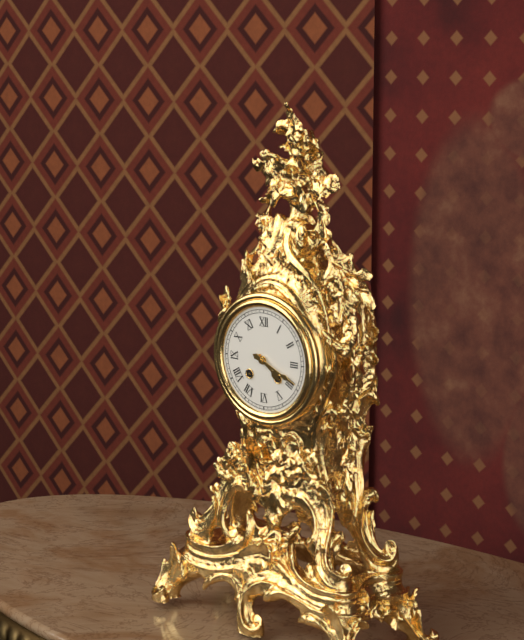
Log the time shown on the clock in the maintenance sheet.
4:19
